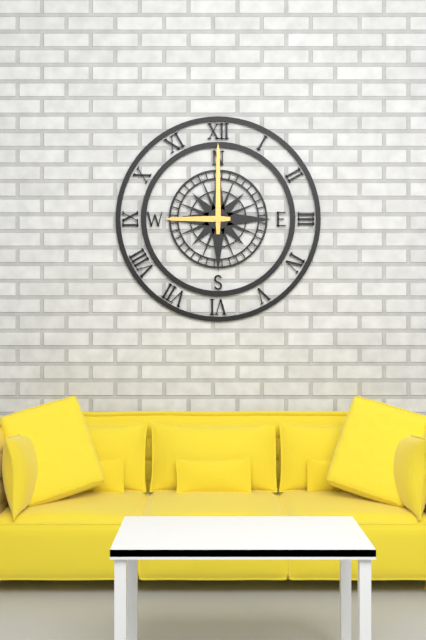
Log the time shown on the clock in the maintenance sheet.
9:00
